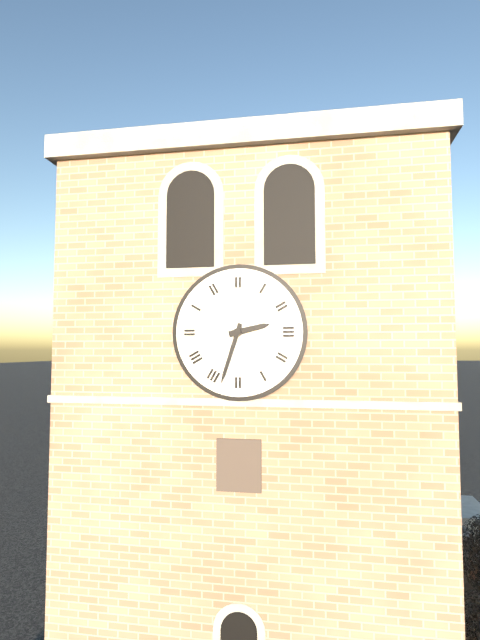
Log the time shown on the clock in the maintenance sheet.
2:33
